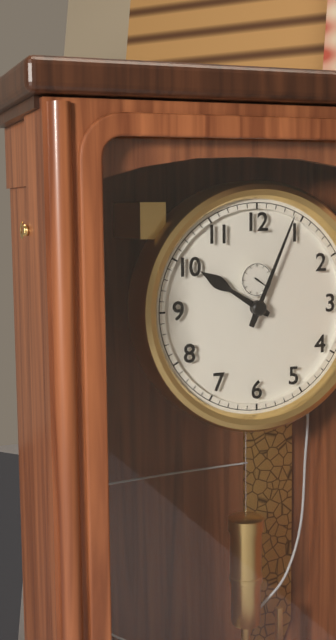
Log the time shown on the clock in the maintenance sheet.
10:04
